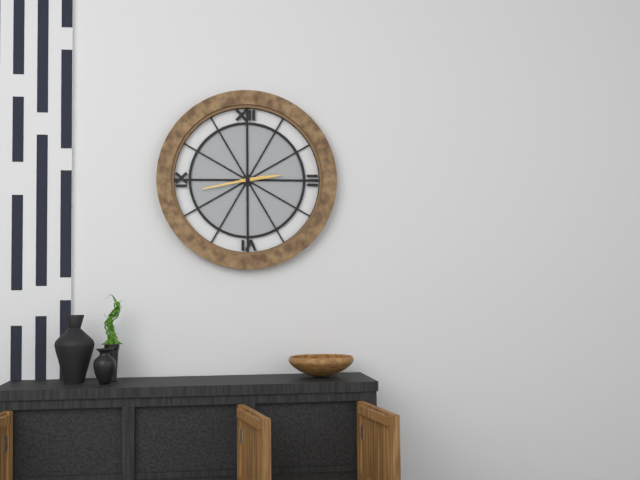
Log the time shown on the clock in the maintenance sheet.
2:43
